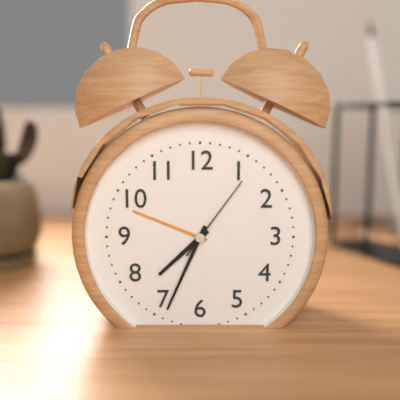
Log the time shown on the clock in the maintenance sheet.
7:34:06
